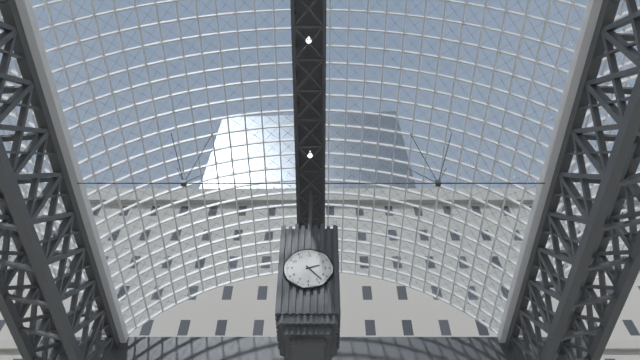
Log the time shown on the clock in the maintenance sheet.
2:23
